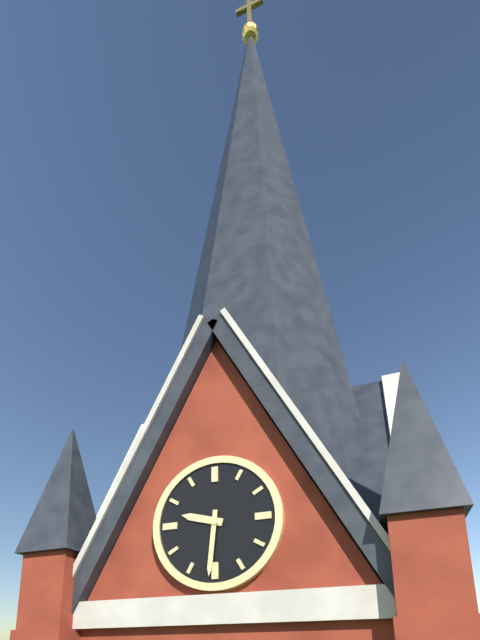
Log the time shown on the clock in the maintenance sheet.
9:31
